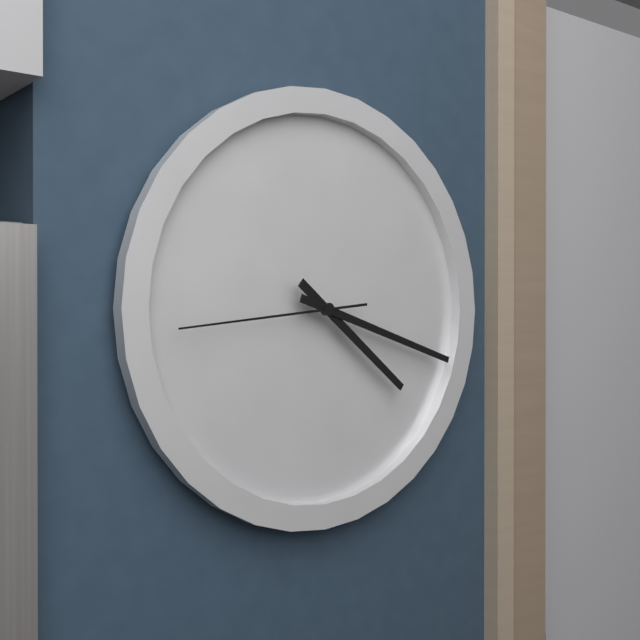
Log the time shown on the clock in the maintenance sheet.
4:18:44
